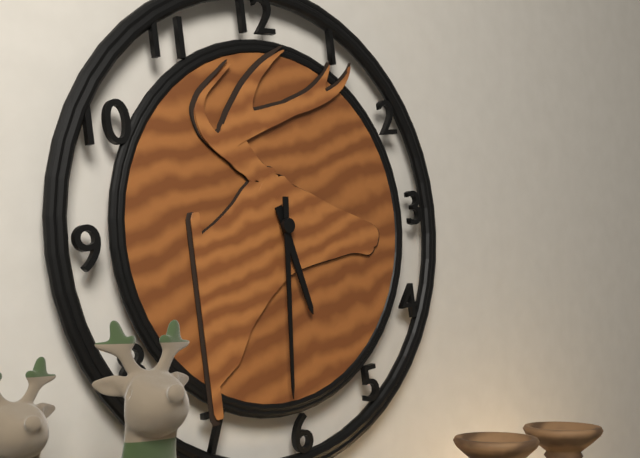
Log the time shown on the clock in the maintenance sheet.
5:31
